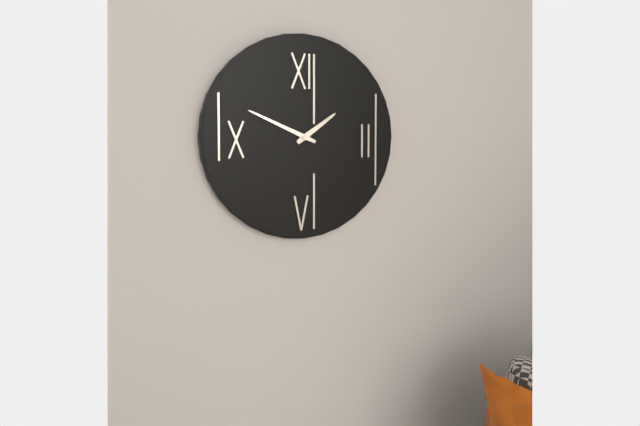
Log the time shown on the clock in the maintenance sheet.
1:49
